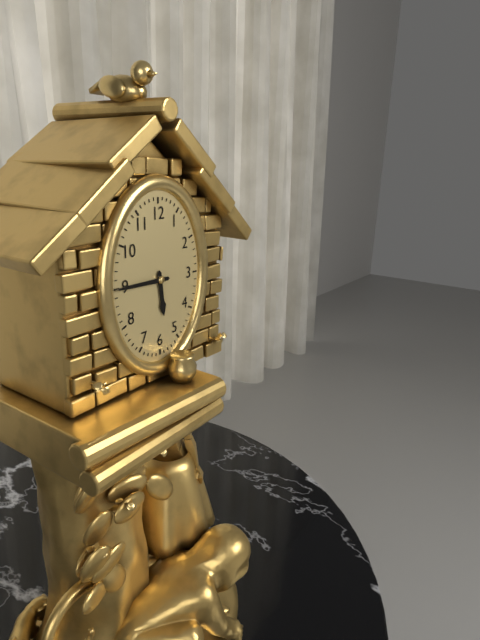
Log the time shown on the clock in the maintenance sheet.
5:45
